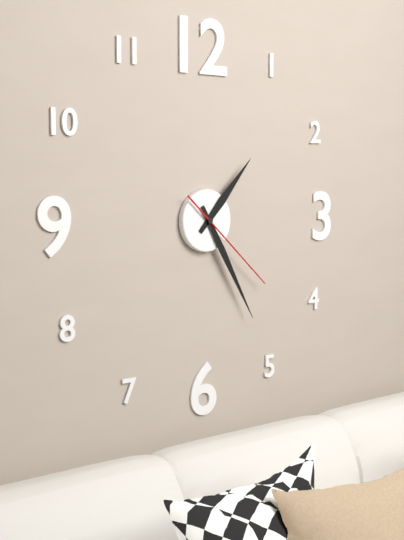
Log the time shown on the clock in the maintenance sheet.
1:25:22
